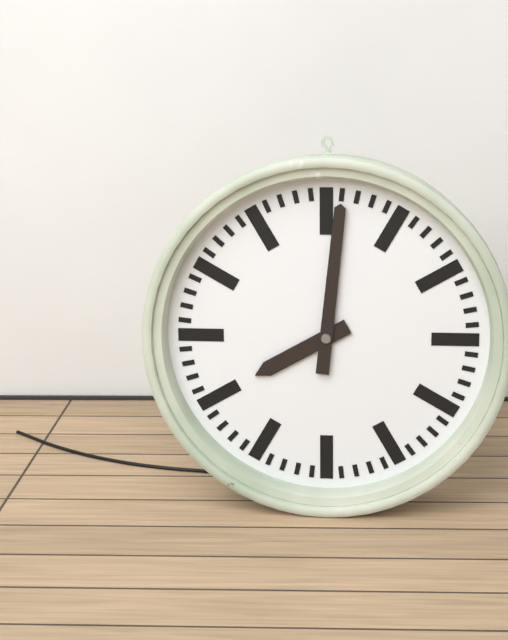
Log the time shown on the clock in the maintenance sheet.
8:01
